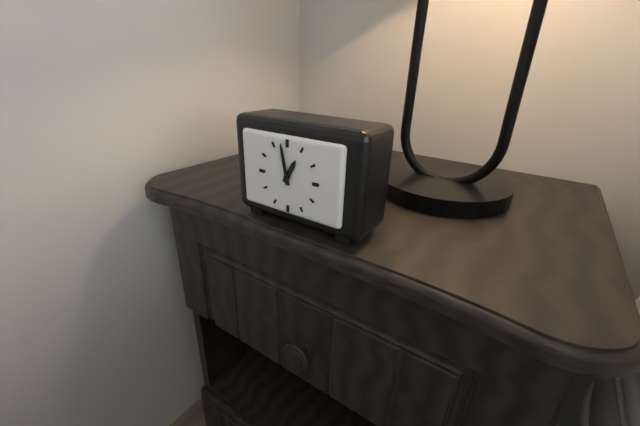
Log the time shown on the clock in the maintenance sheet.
12:58
